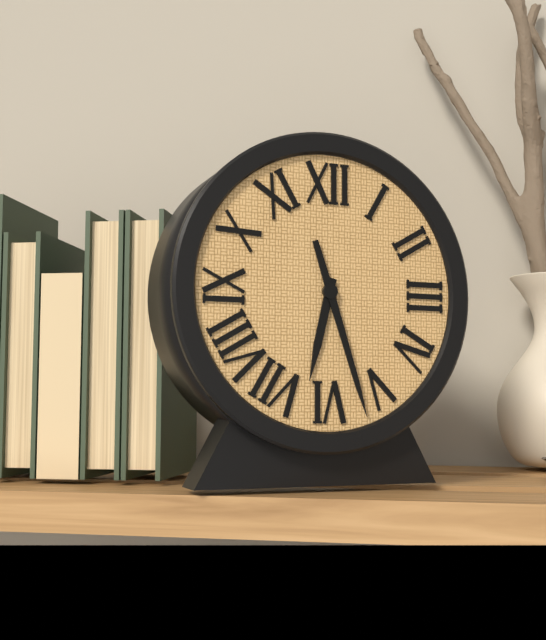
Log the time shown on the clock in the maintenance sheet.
6:27
